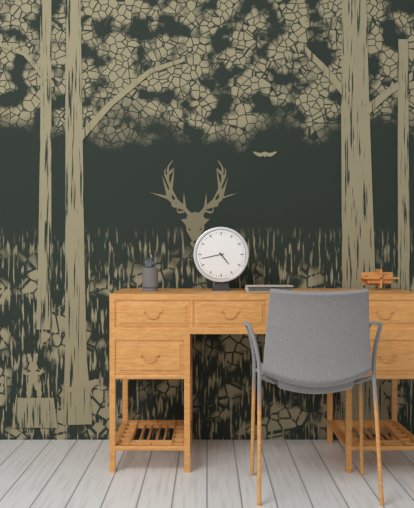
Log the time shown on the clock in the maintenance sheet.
4:43
